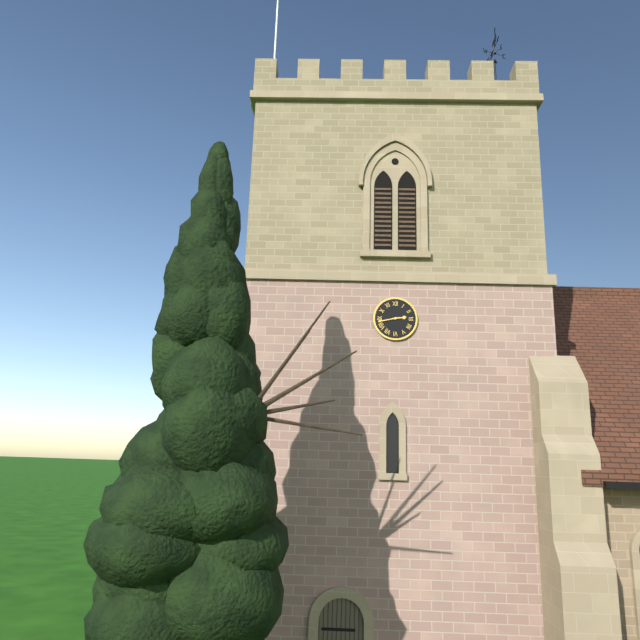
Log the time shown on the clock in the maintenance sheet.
2:43
